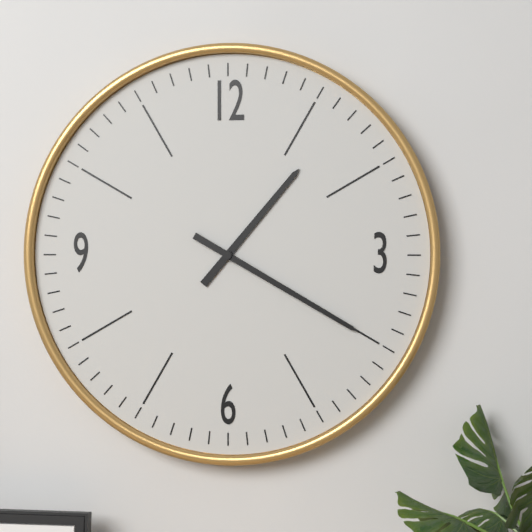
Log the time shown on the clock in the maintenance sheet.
1:20
